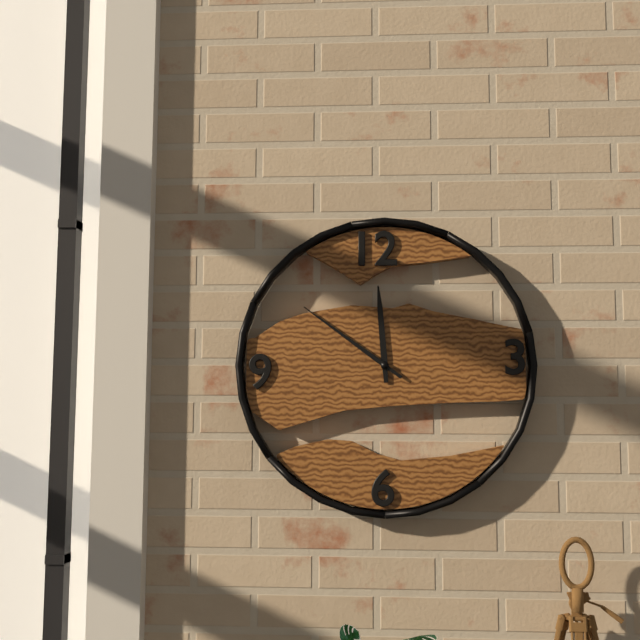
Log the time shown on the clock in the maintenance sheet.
11:51
